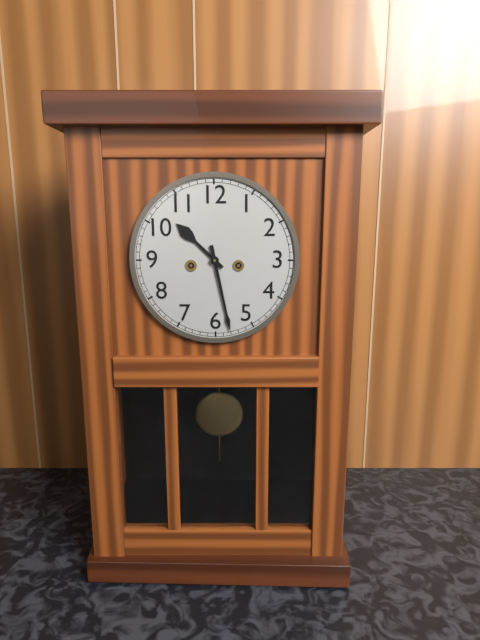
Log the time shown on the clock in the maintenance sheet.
10:28
